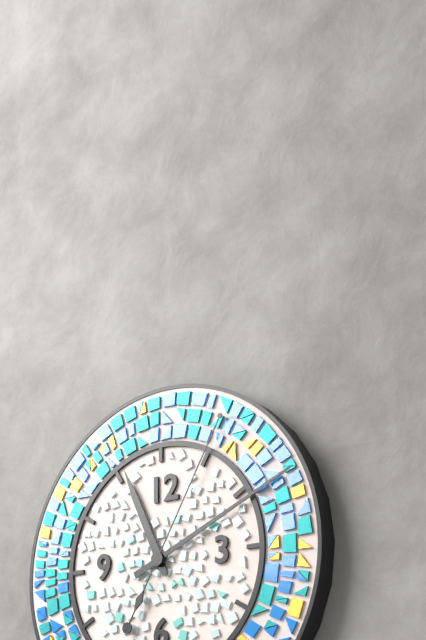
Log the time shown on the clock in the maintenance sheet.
11:11:05
